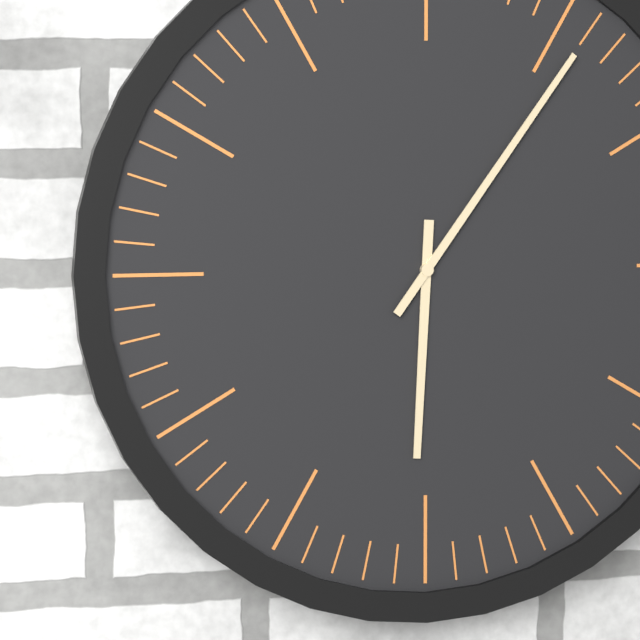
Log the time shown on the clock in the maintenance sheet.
6:06
